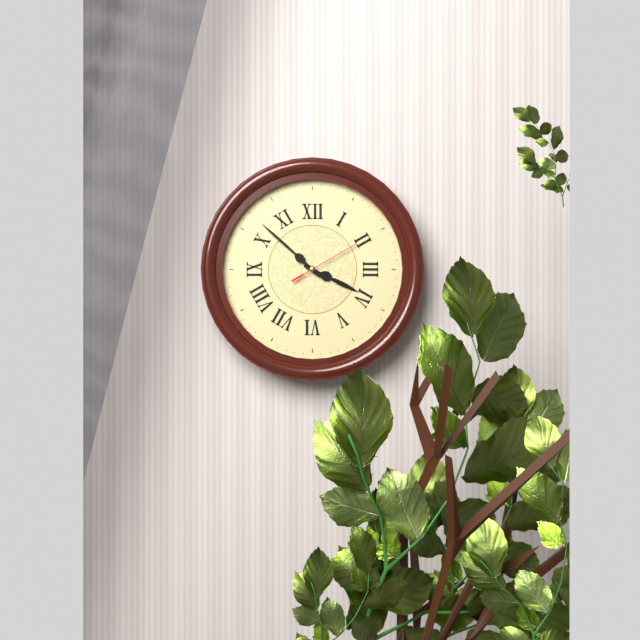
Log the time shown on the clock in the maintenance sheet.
3:52:10
